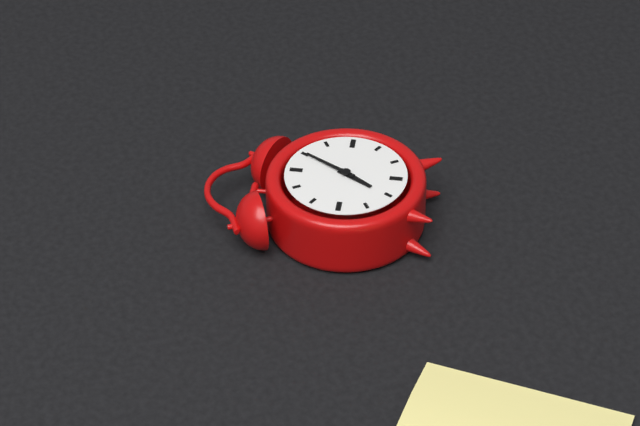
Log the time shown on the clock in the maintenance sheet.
7:05
